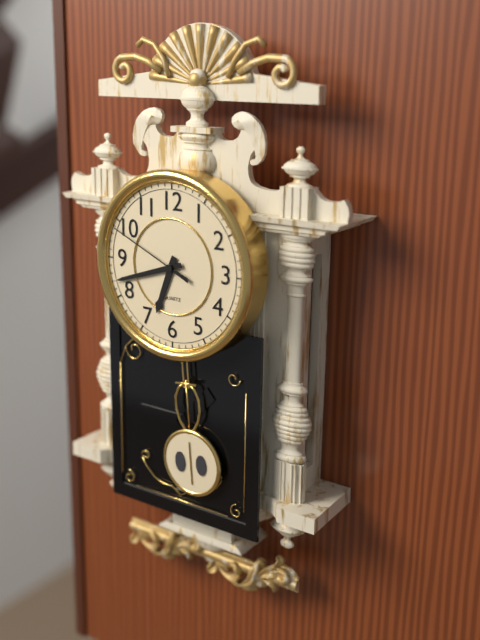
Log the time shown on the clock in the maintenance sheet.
6:42:49
